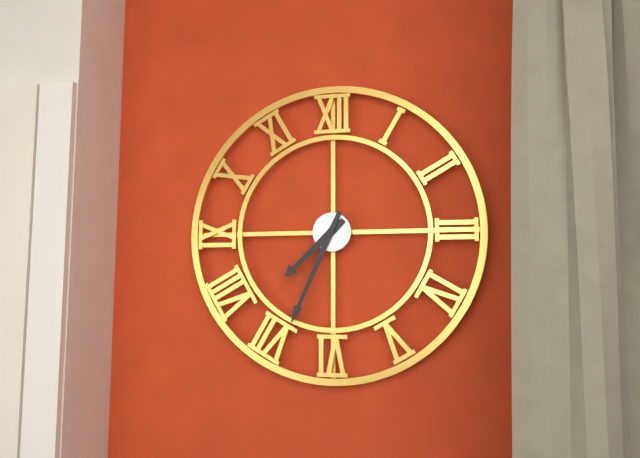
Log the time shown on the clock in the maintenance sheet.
7:34
